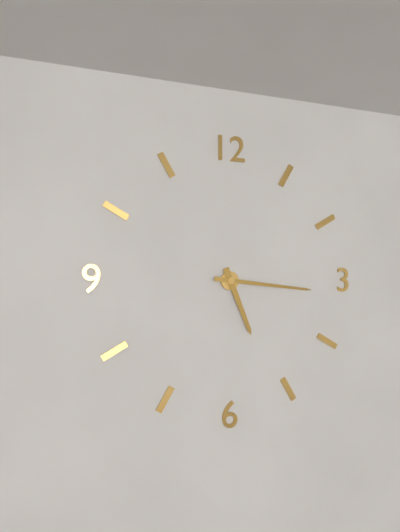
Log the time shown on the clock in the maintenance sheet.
5:16
